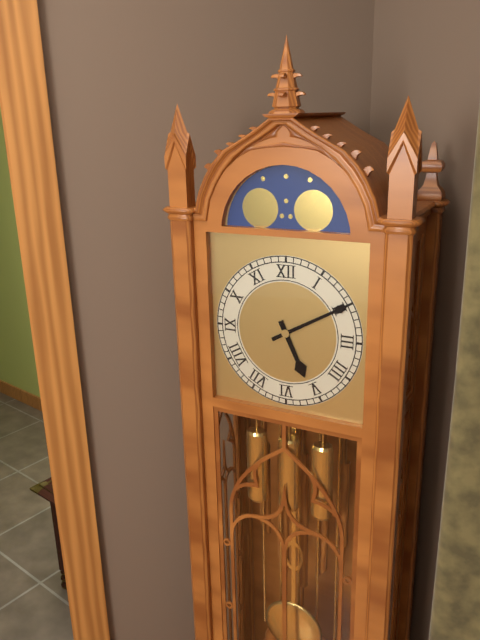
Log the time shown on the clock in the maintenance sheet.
5:10
